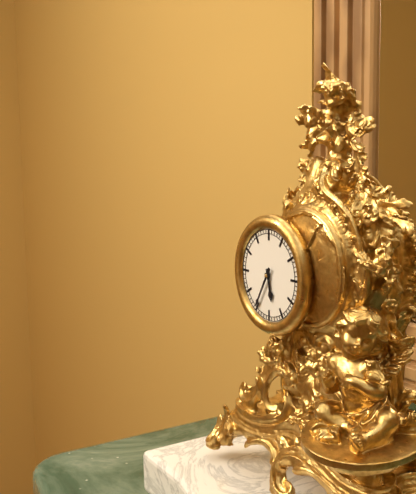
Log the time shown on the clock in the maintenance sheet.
5:35
